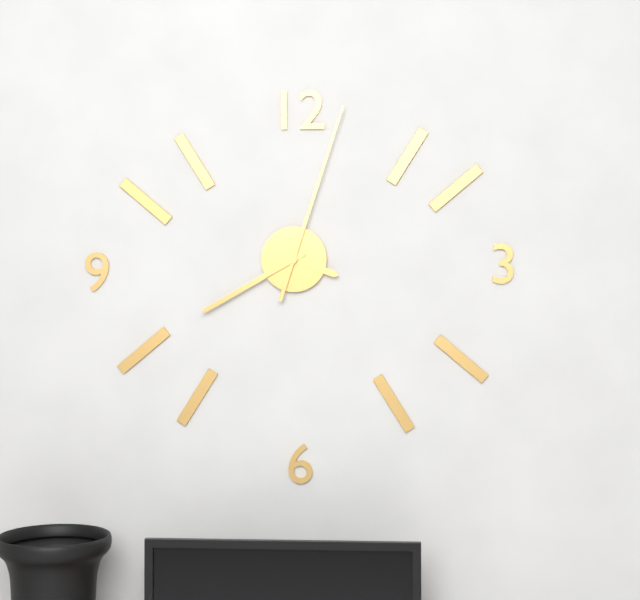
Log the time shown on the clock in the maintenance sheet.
3:40:03
